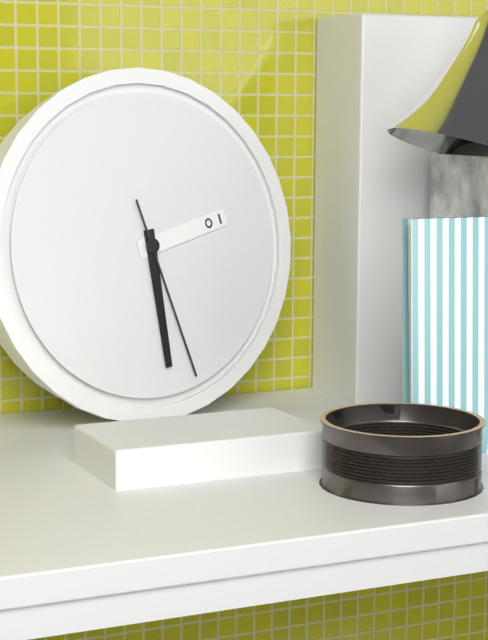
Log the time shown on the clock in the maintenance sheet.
2:29:27
